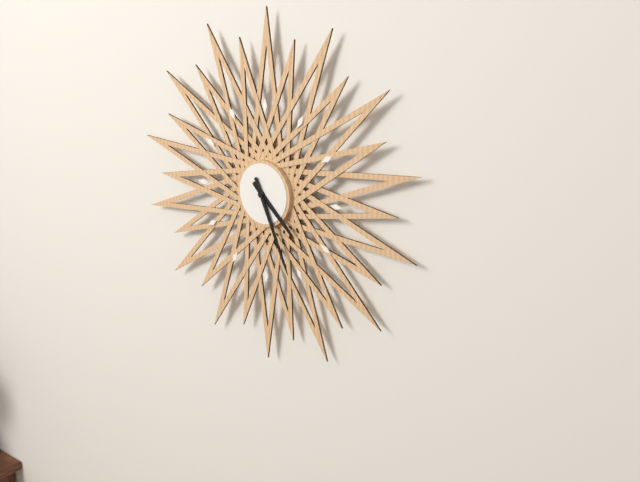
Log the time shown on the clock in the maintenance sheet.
4:26
